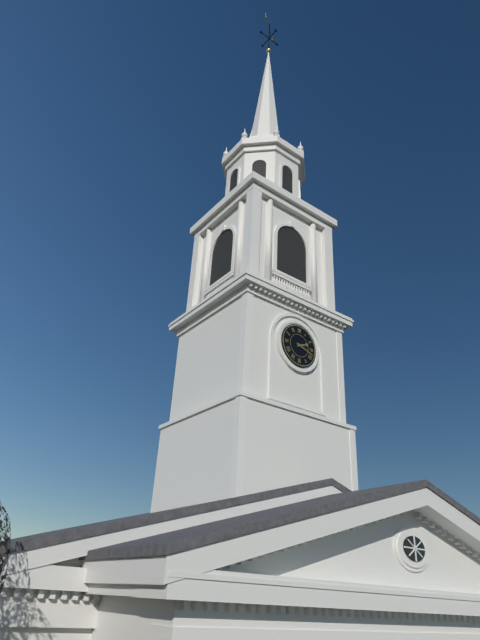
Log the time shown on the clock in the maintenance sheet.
2:18
